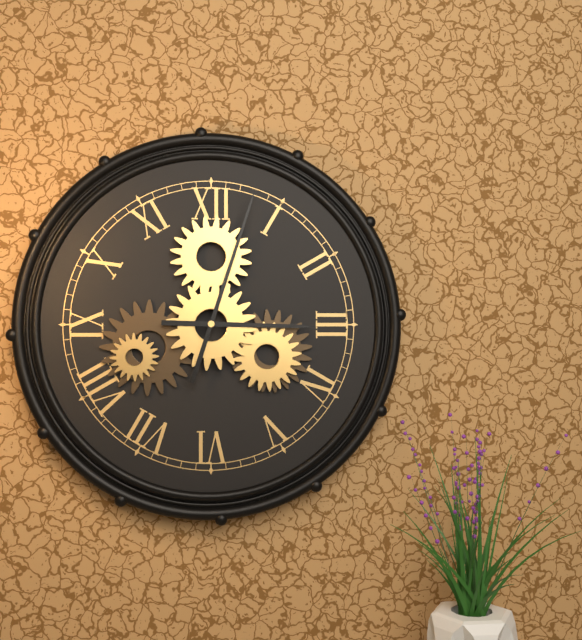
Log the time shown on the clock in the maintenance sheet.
3:03
